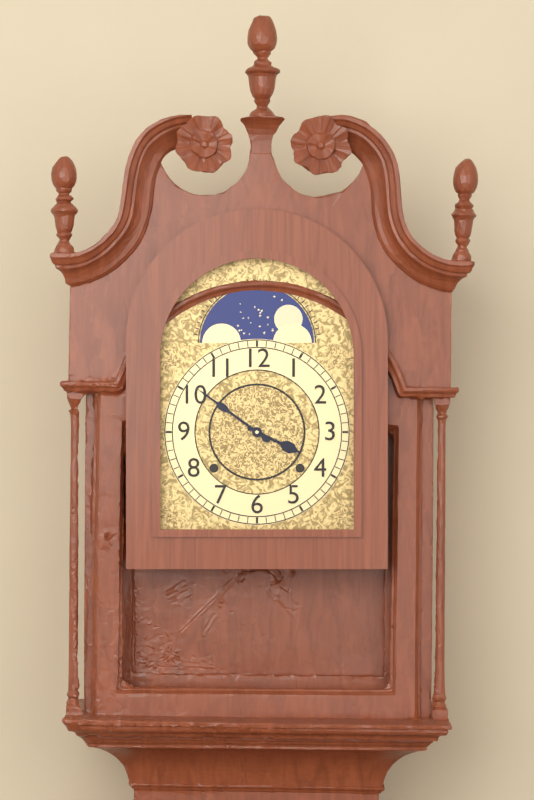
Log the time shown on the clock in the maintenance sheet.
3:51
